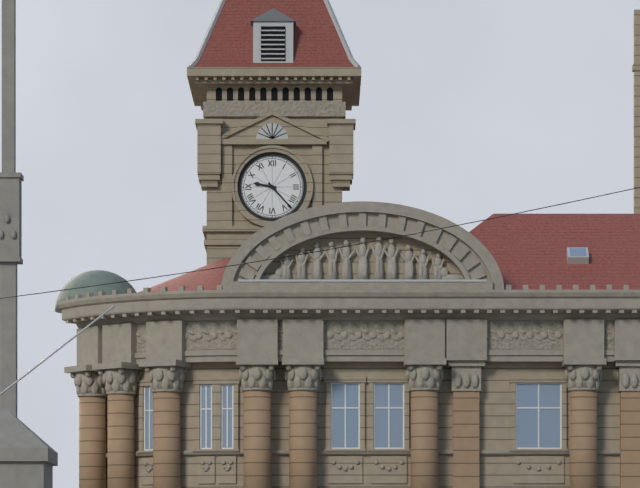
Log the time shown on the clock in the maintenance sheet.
9:23
